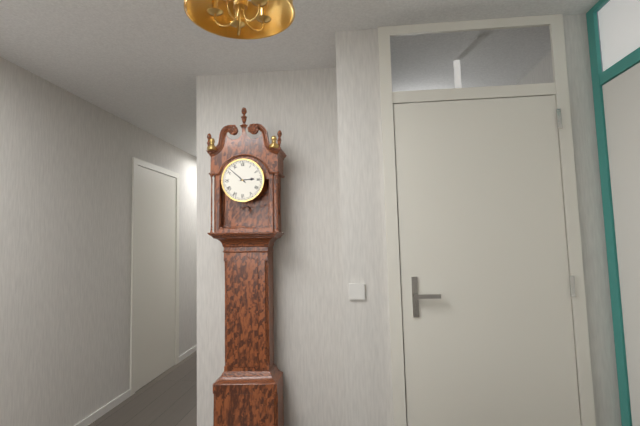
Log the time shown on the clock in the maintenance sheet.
2:52
